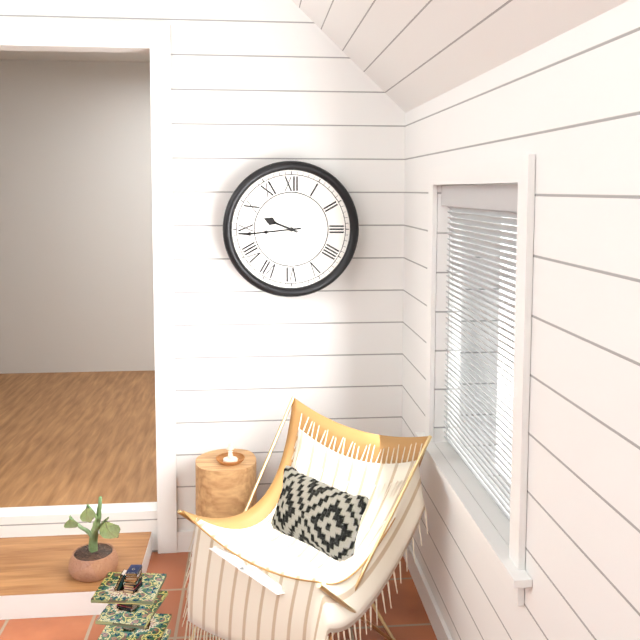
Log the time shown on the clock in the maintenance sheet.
9:44
